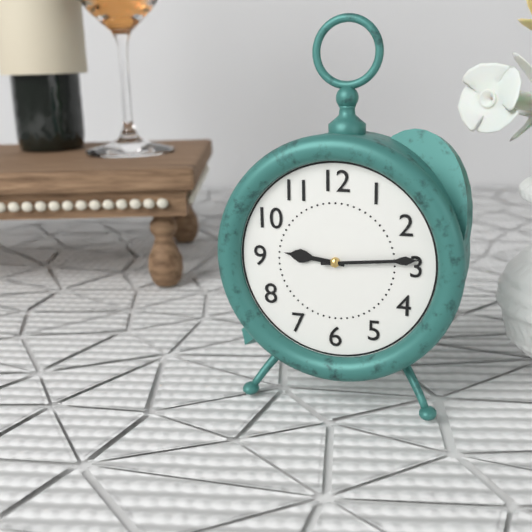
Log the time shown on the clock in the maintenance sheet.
9:14
